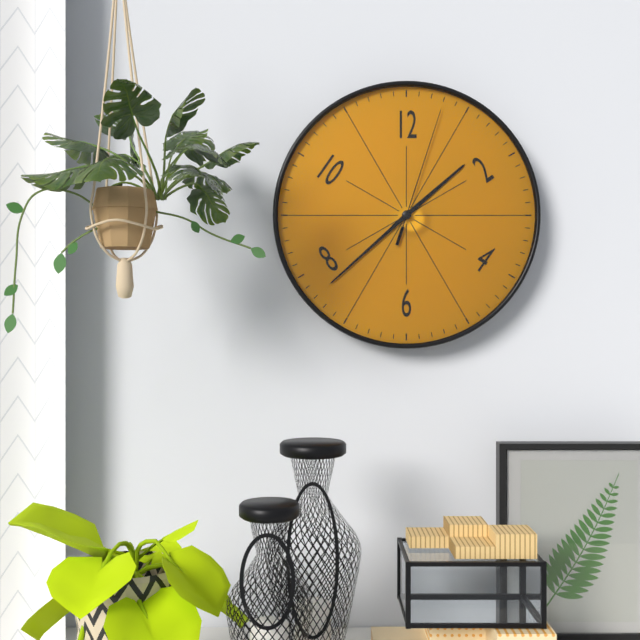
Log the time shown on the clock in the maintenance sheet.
1:38:03
